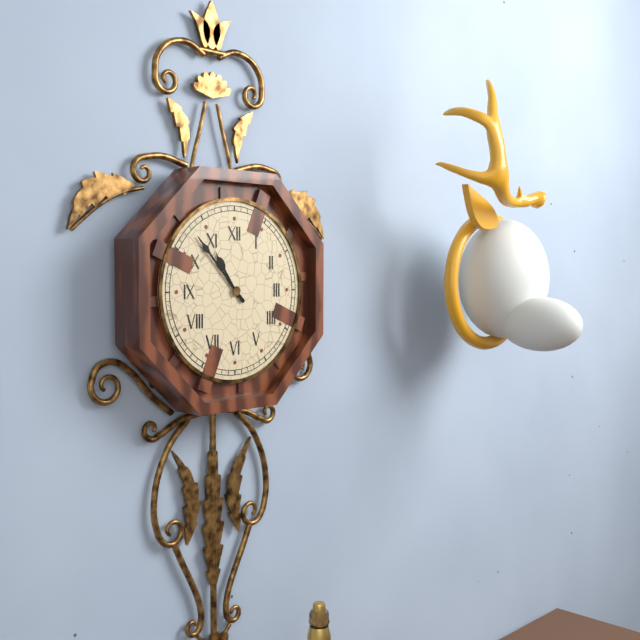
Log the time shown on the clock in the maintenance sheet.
10:53
